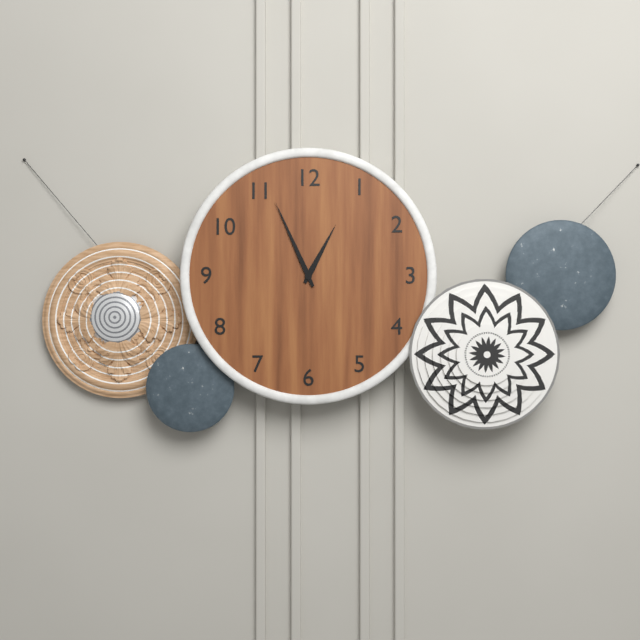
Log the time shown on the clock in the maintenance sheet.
12:56
